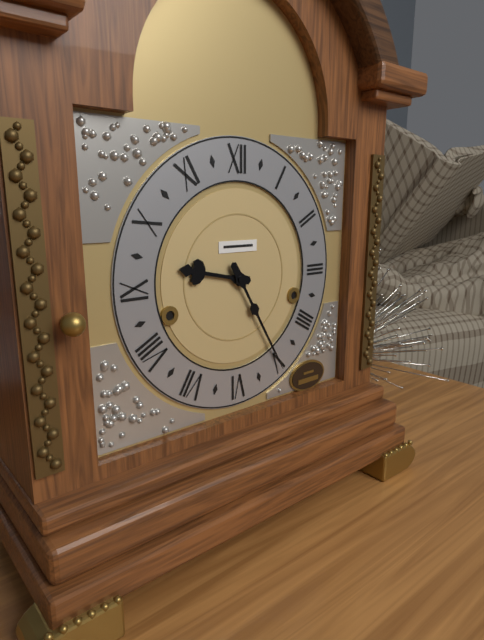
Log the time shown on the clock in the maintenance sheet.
9:25
